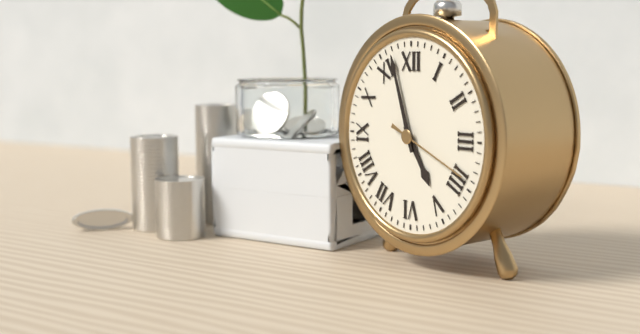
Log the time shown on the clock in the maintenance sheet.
4:57:19
